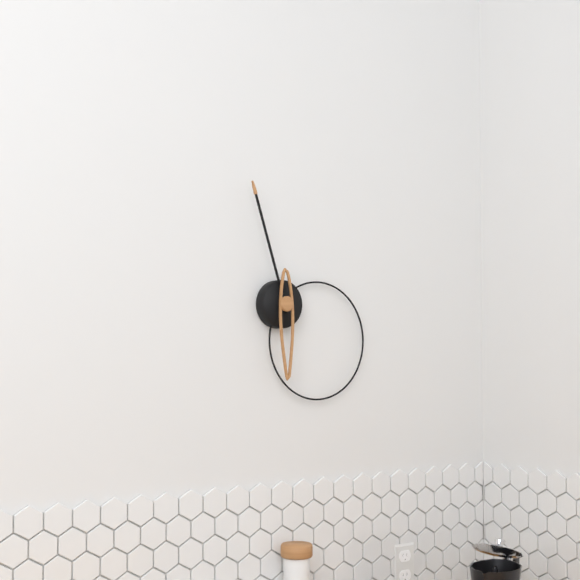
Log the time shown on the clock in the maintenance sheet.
5:57
